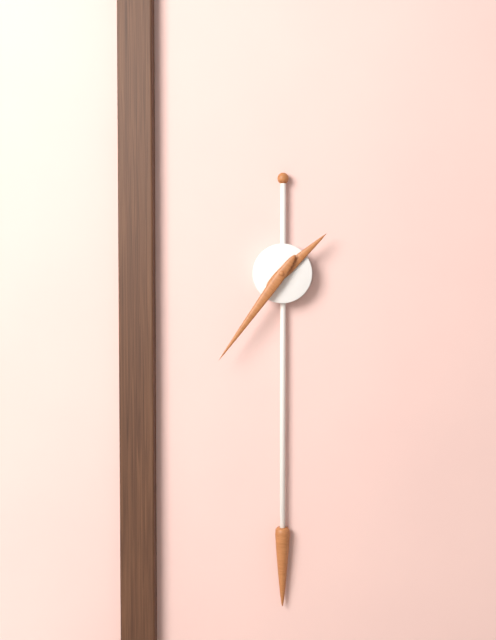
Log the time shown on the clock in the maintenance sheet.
1:36
